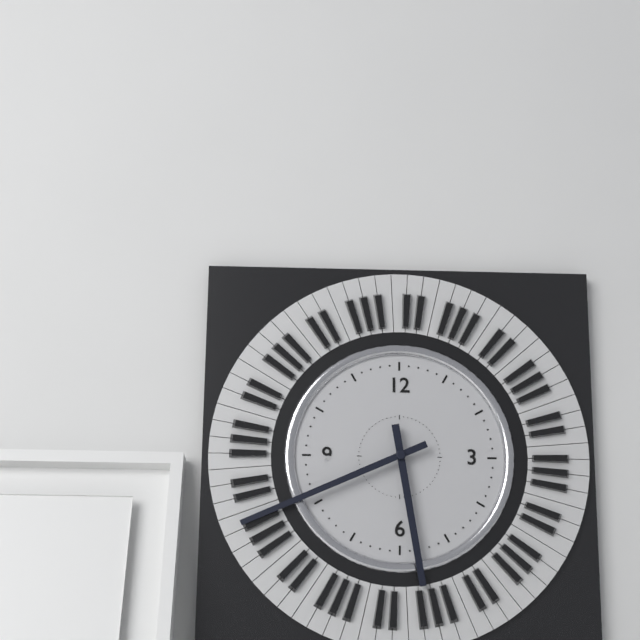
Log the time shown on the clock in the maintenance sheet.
5:41
